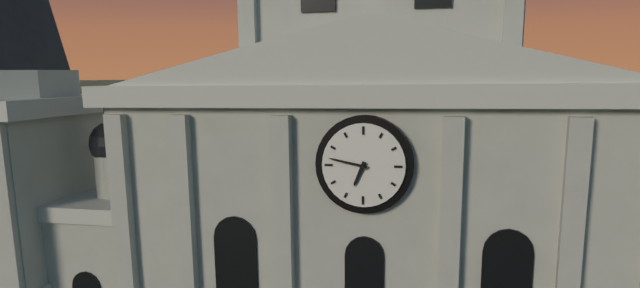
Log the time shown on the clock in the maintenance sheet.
6:47
